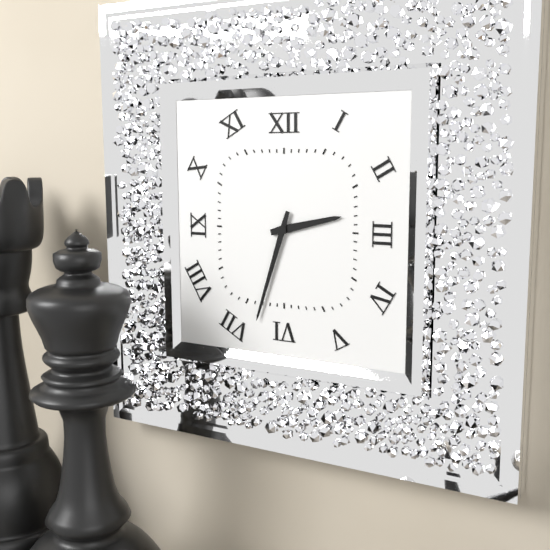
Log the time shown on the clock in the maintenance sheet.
2:33
